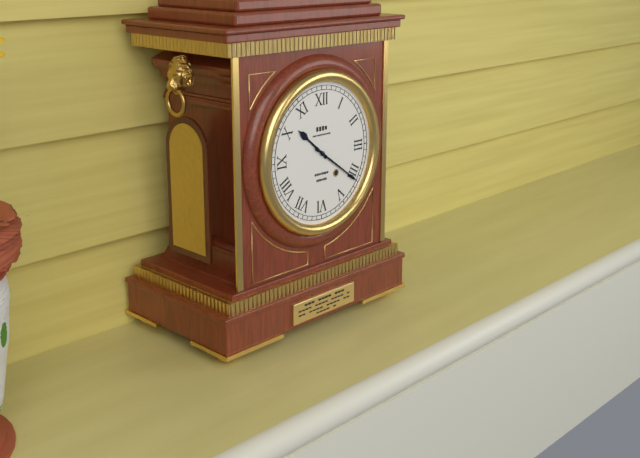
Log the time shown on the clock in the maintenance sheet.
10:21
